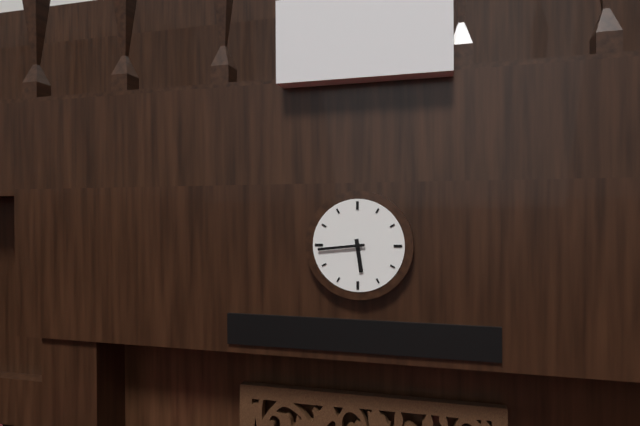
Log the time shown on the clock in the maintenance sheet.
5:44
